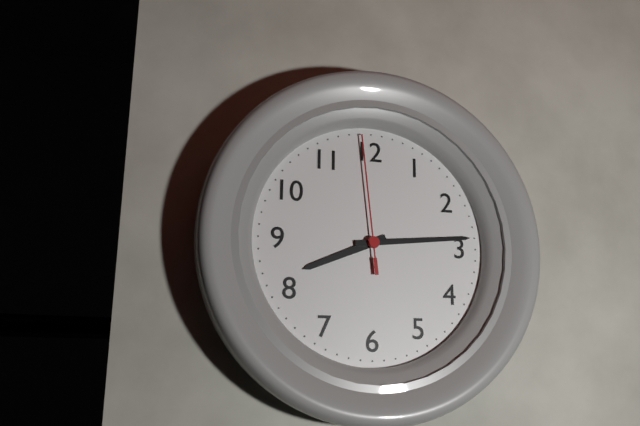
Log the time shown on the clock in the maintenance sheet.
8:14:59
